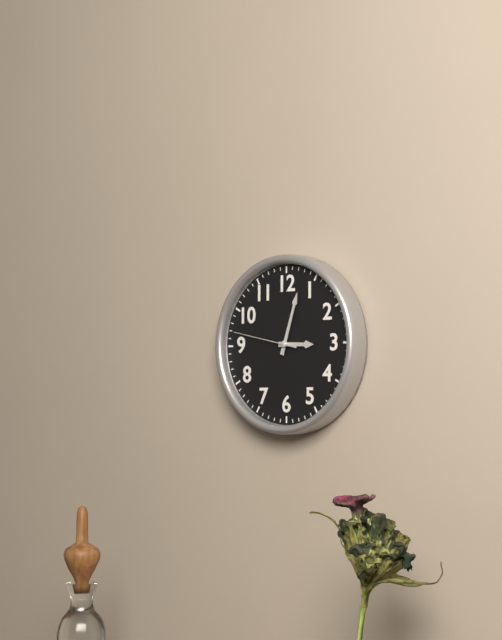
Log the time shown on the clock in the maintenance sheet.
3:03:47
